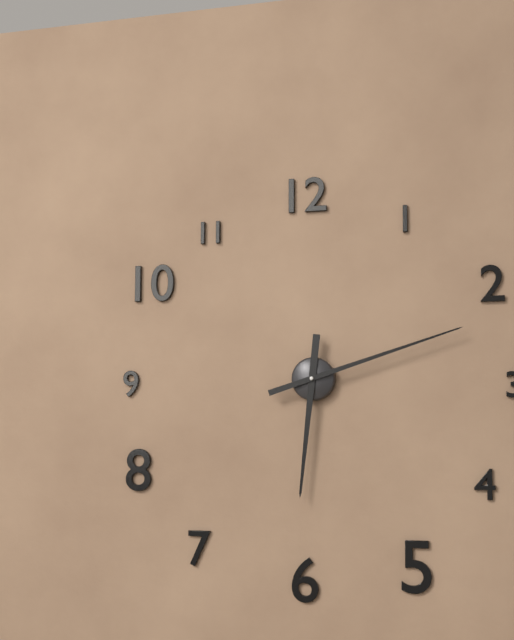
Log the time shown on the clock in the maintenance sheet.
6:12
